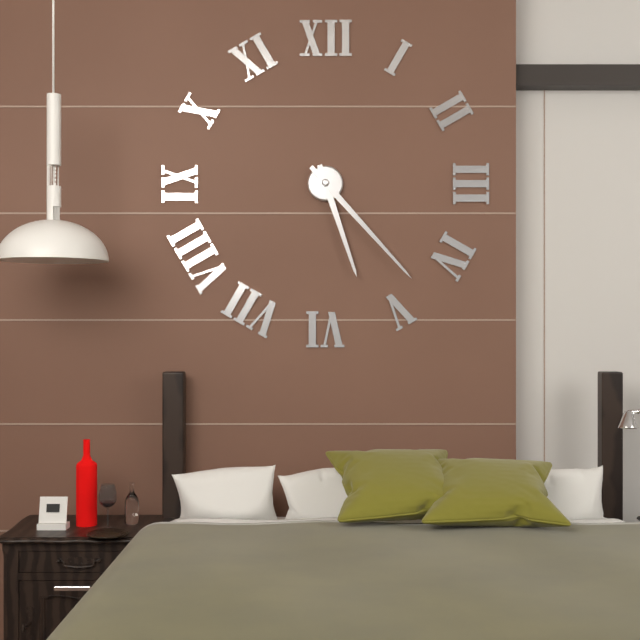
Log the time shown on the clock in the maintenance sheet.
5:23
